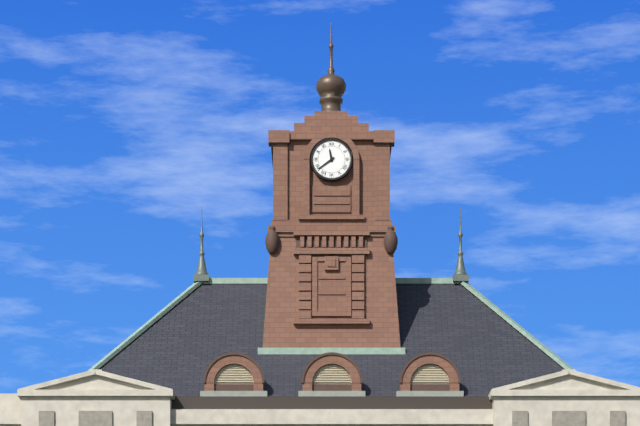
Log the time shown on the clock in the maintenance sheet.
11:39
